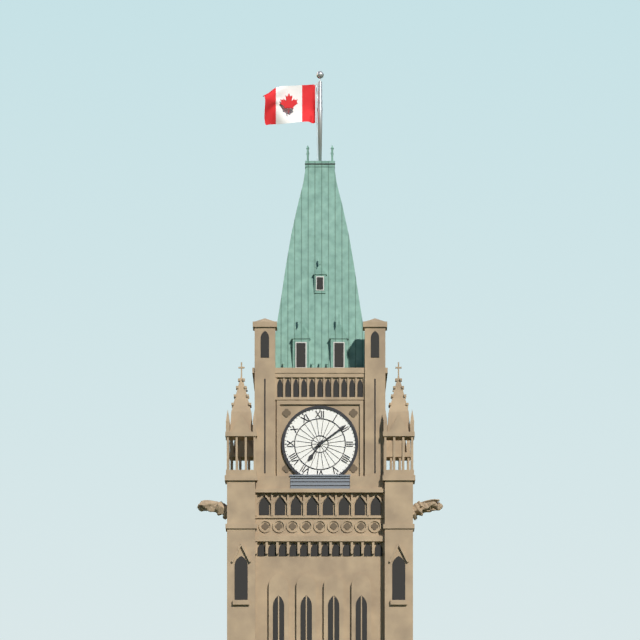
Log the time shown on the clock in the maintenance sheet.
7:09
